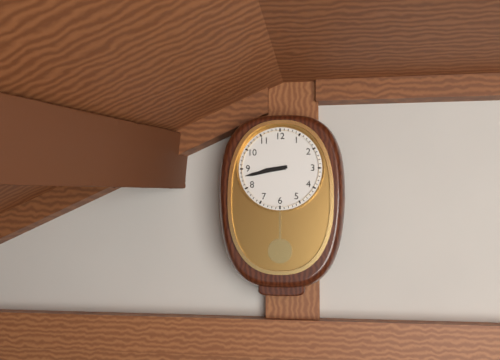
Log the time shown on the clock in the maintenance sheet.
8:43
